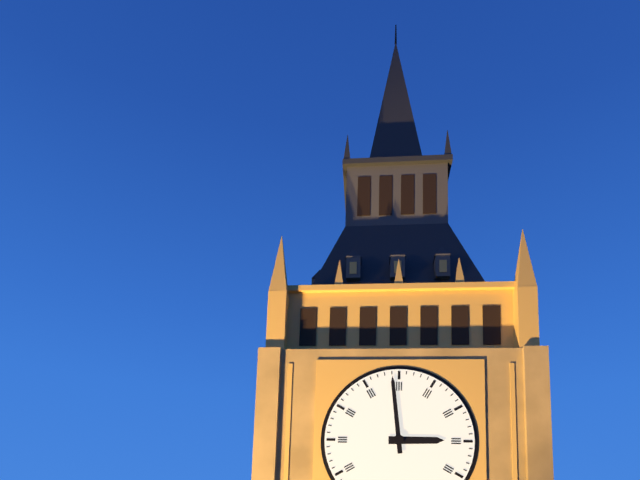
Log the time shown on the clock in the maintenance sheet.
2:59
